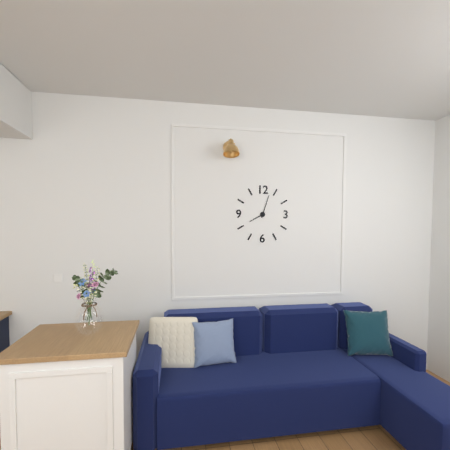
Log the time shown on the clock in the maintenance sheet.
8:03
